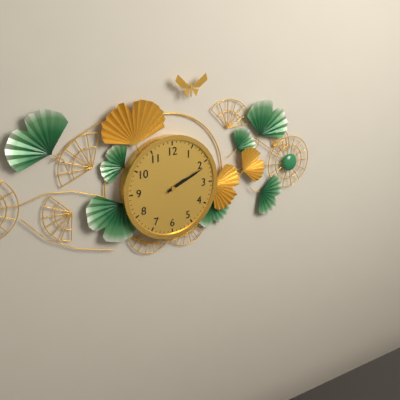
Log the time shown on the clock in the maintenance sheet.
2:11
